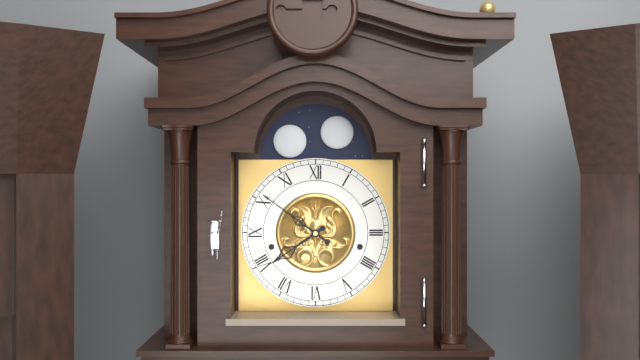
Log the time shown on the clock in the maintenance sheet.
7:51
